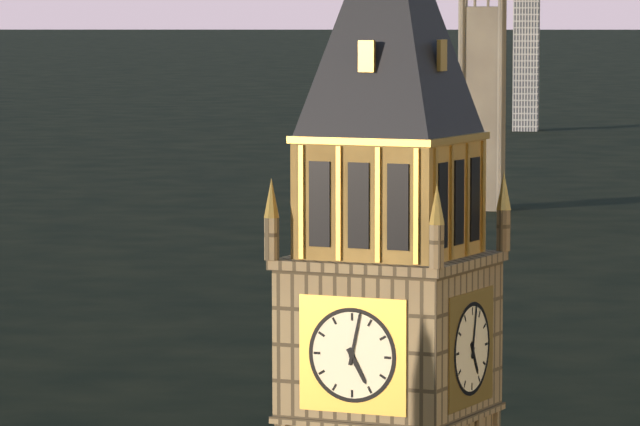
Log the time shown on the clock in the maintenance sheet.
5:02
